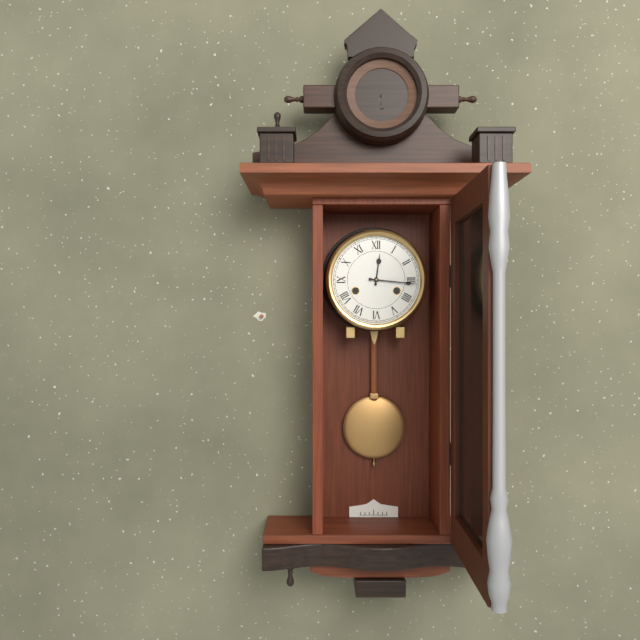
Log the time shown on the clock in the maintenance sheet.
12:16
